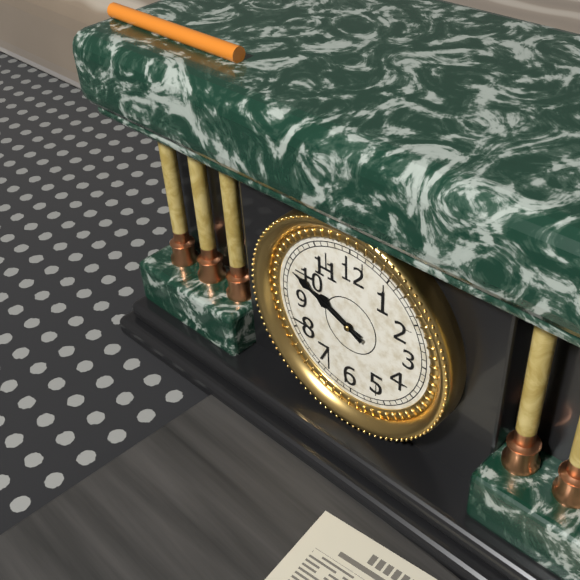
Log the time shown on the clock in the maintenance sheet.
9:49
